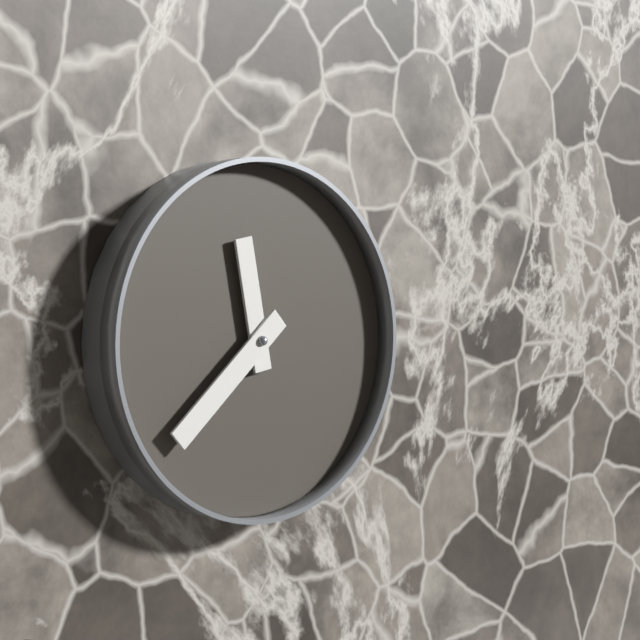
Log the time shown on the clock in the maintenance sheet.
11:38
